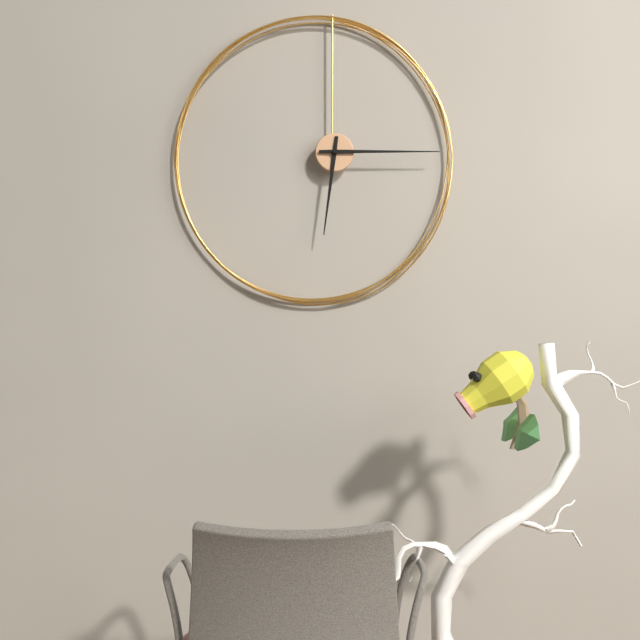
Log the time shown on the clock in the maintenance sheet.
6:15
